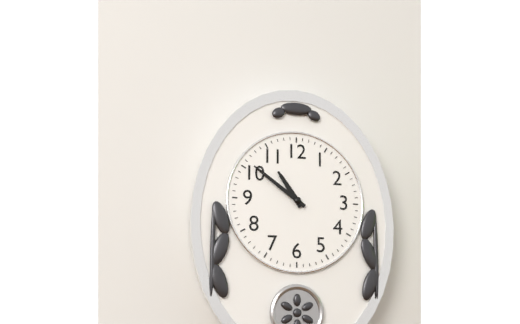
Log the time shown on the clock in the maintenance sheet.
10:51
